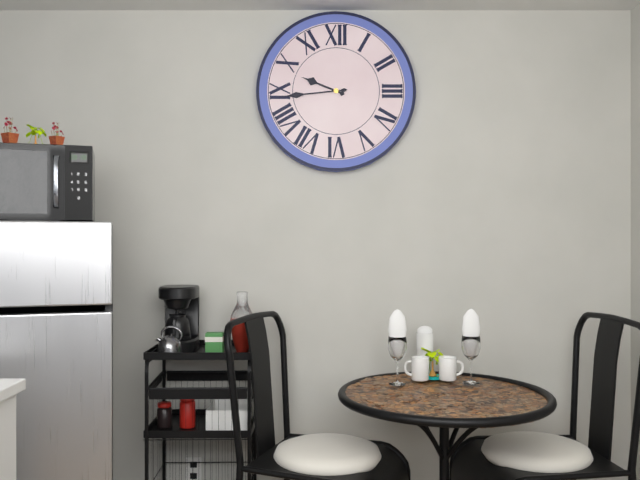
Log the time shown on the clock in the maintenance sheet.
9:44
